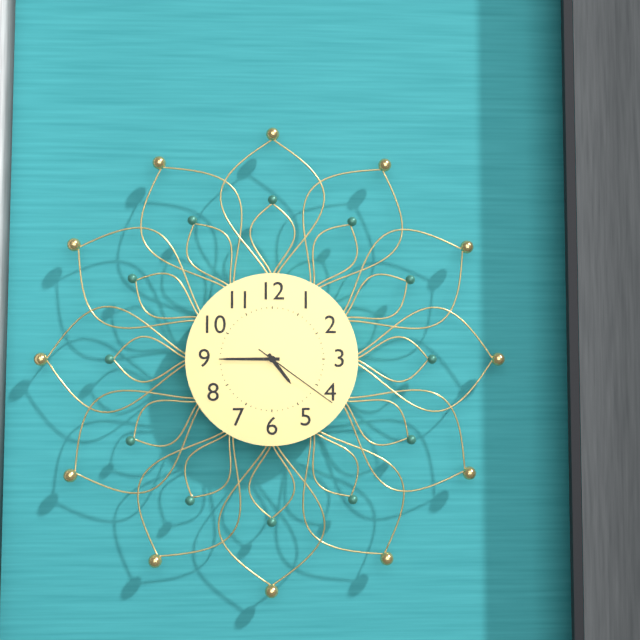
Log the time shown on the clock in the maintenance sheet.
4:45:21
